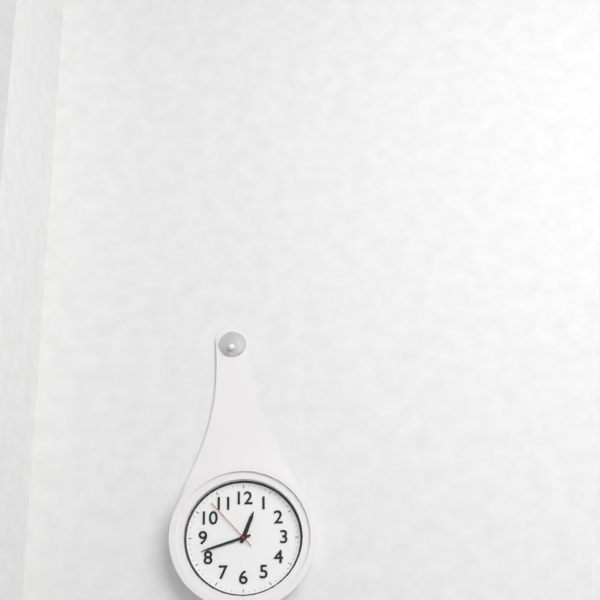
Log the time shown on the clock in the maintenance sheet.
12:42:53
